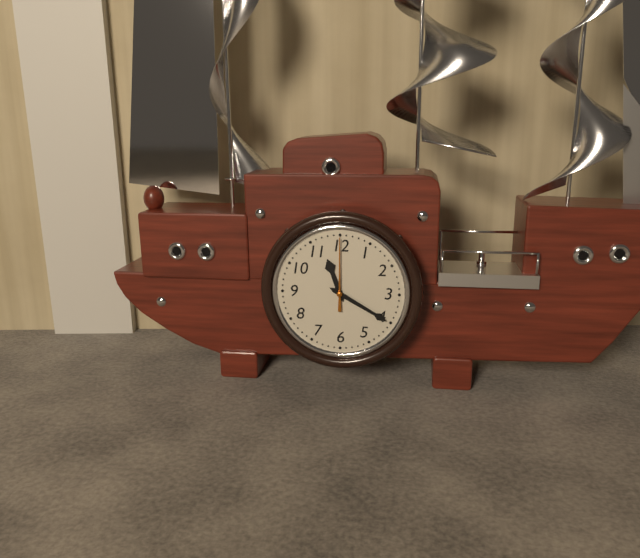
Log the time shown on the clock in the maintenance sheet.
11:20:00
